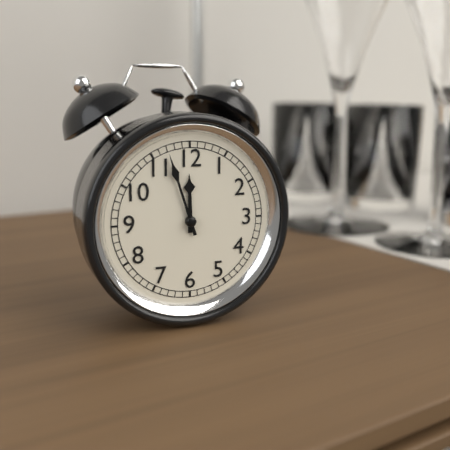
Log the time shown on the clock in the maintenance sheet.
11:57
